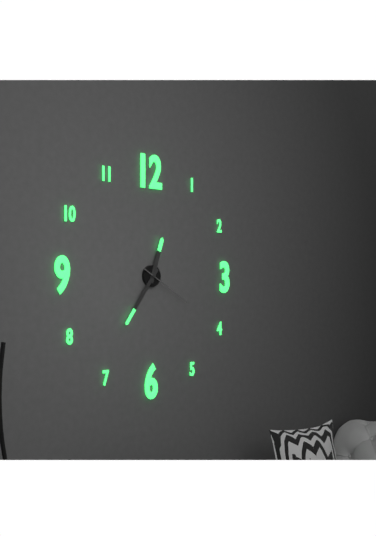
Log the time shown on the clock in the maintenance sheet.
12:36:20
